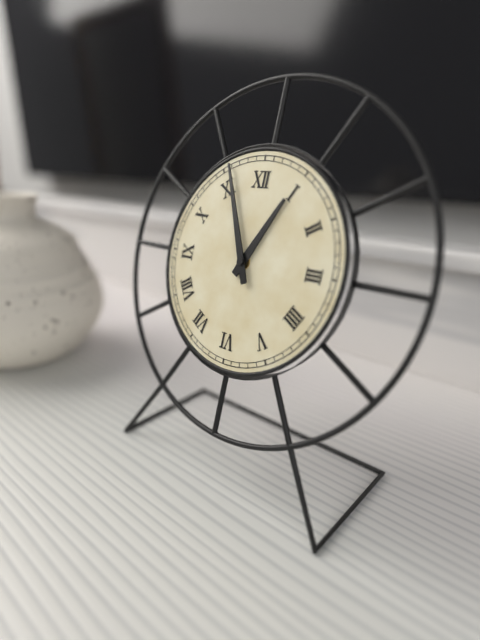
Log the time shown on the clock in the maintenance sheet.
12:56
